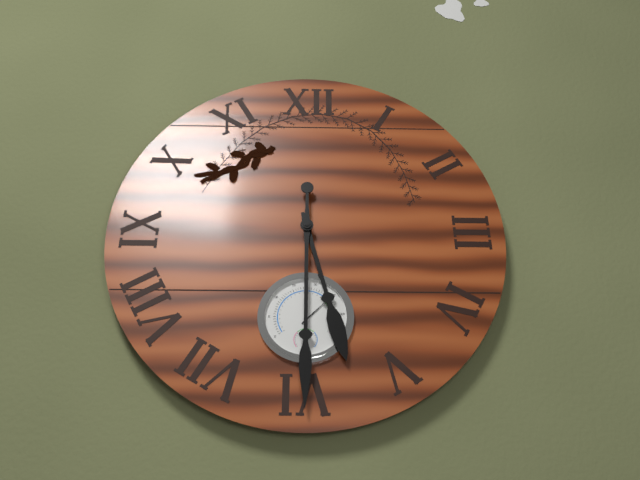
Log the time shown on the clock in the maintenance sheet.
5:30
